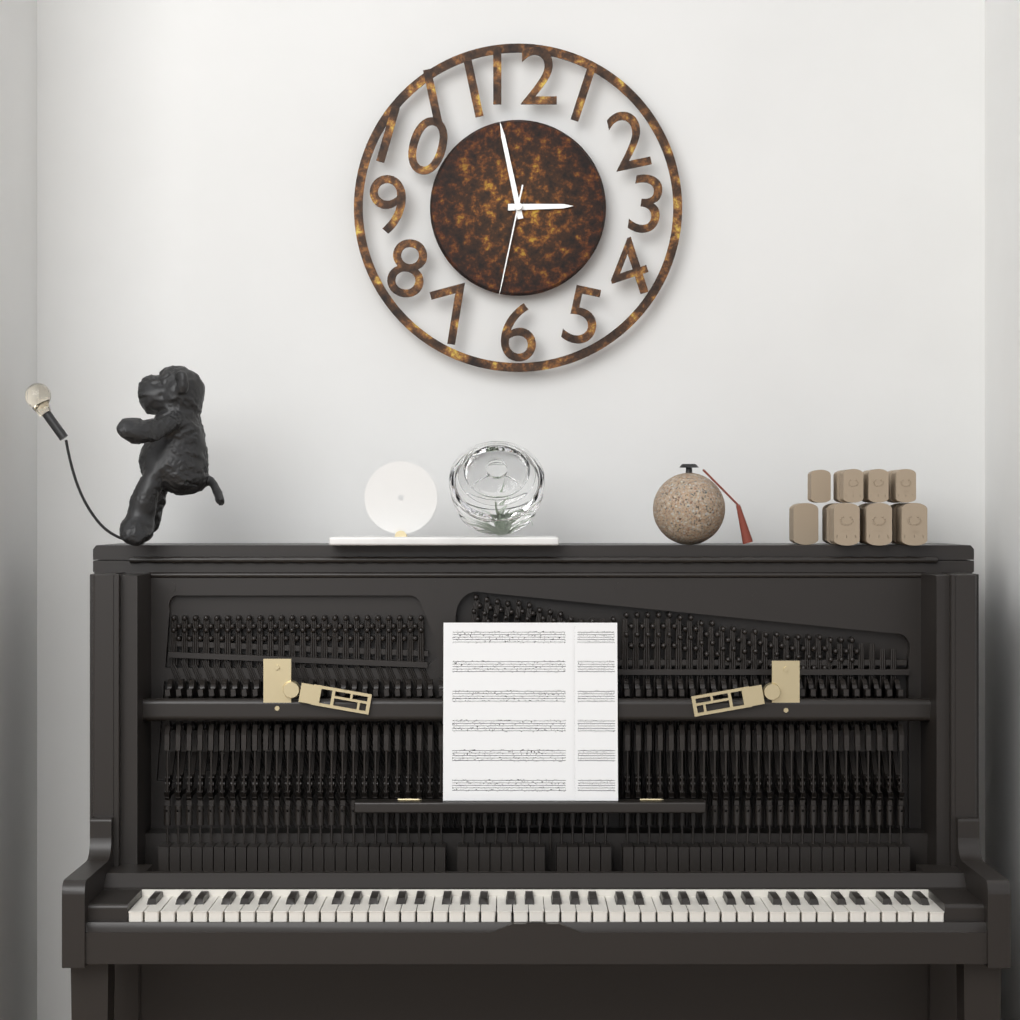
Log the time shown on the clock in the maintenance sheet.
2:58:32
